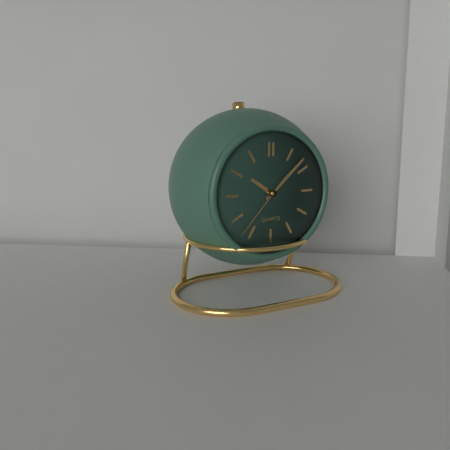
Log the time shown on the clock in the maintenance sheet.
10:08:37
